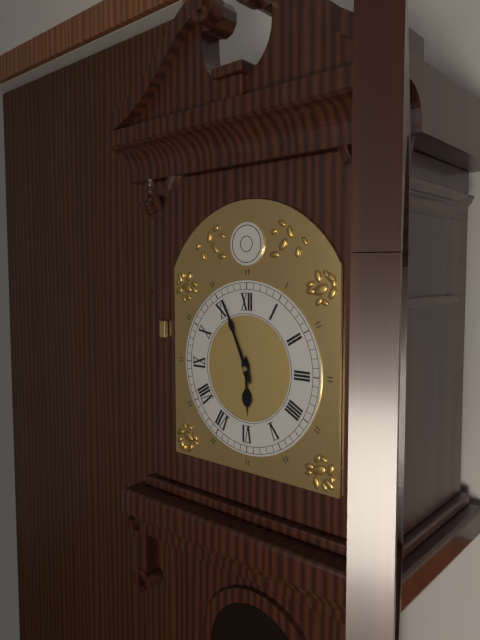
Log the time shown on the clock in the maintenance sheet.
5:56
